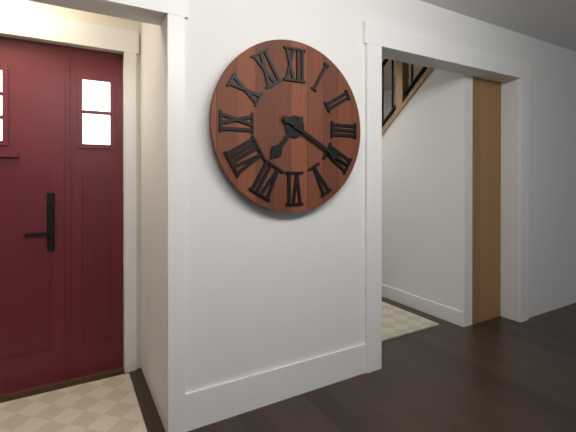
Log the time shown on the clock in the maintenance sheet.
7:20
